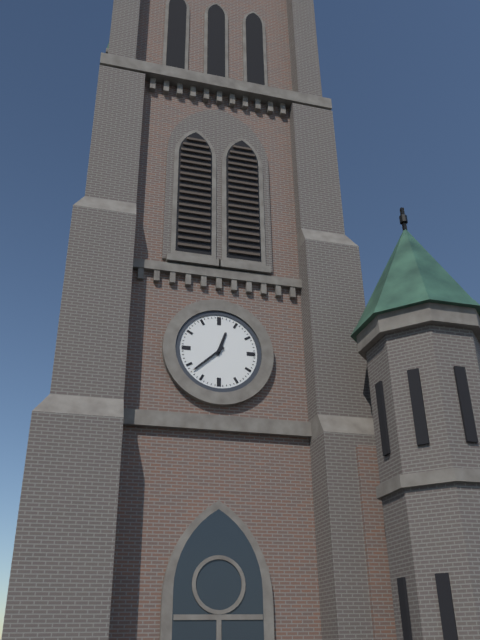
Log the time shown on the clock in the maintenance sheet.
12:38
